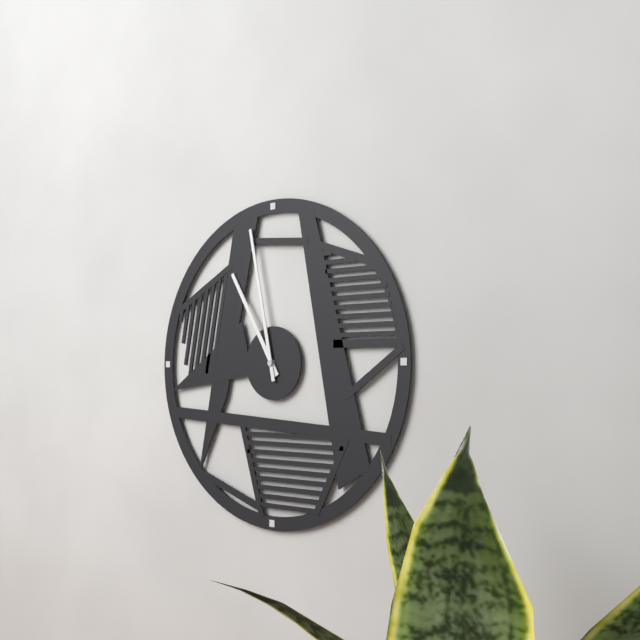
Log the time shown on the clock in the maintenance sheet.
10:58
